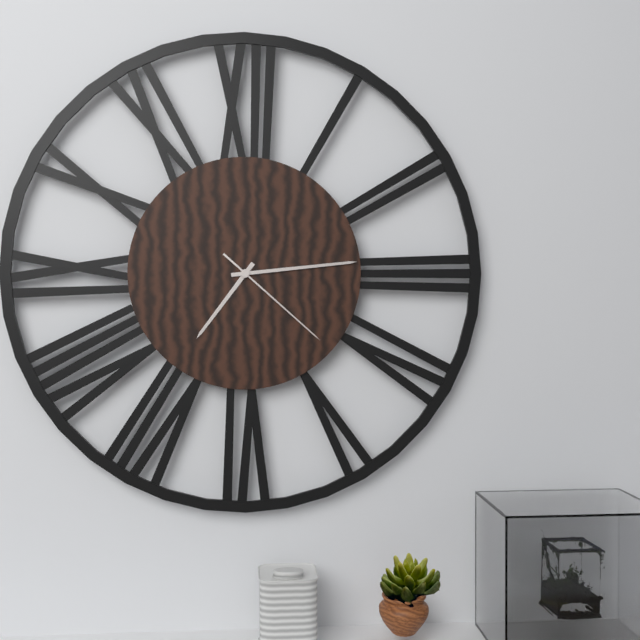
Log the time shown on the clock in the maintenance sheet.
7:14:22
